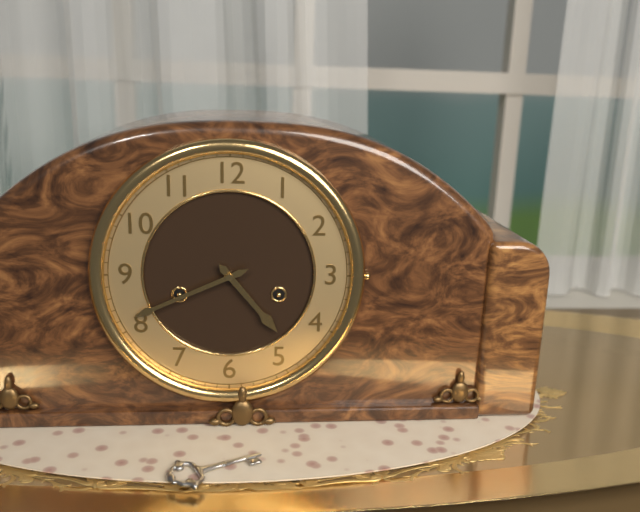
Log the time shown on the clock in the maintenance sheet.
4:41
